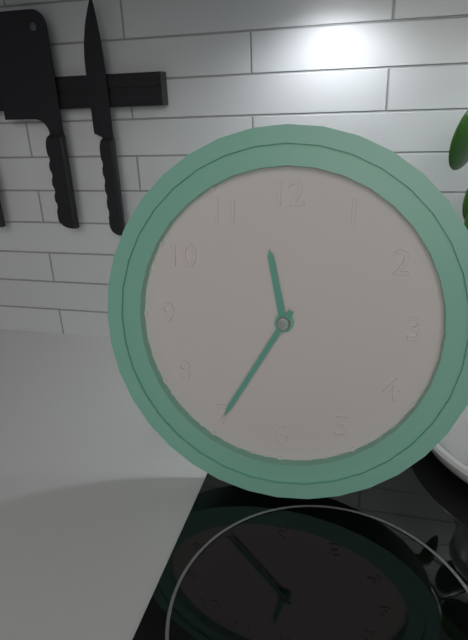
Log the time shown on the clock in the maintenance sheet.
11:35
